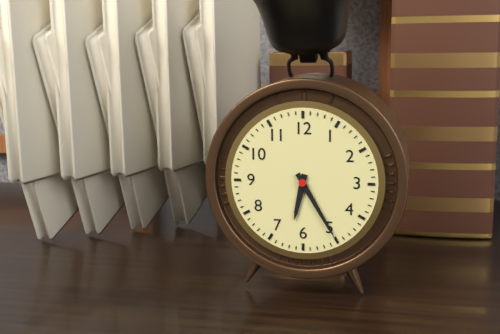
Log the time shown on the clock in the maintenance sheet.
6:25
